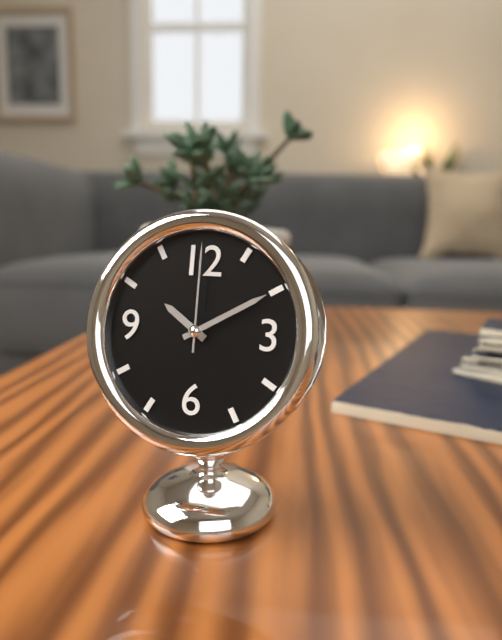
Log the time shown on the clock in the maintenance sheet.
10:10:00
